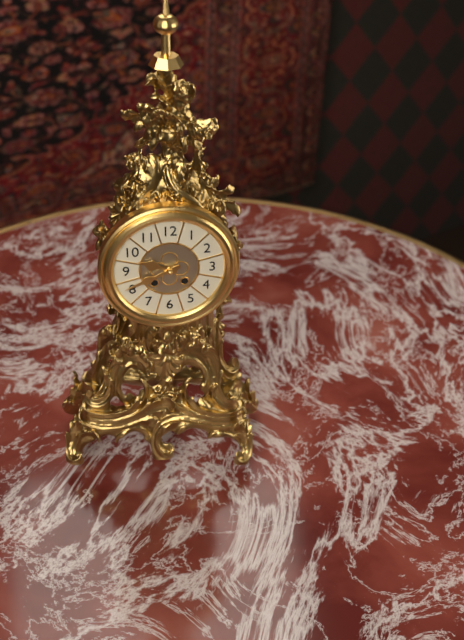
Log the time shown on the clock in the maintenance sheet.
9:41
